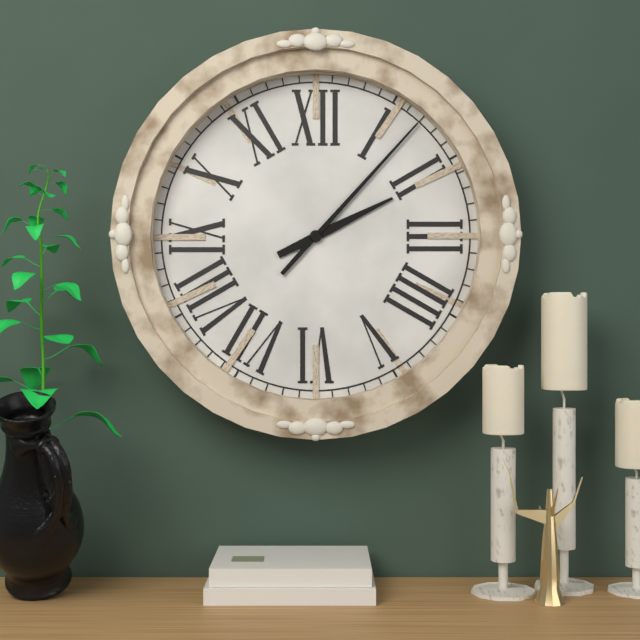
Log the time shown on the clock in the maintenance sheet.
2:07
